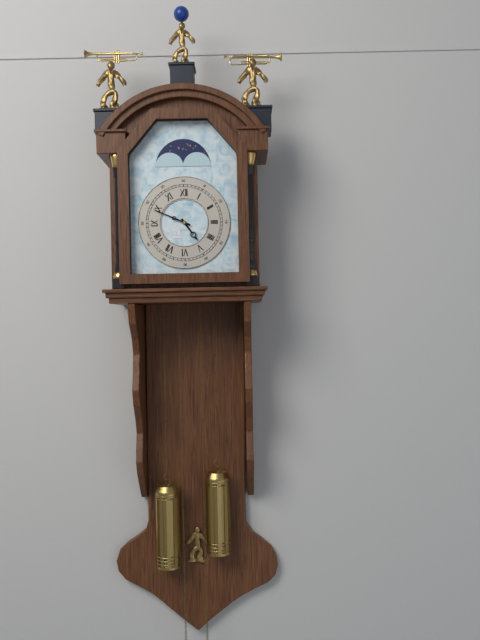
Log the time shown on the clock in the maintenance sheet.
4:49
